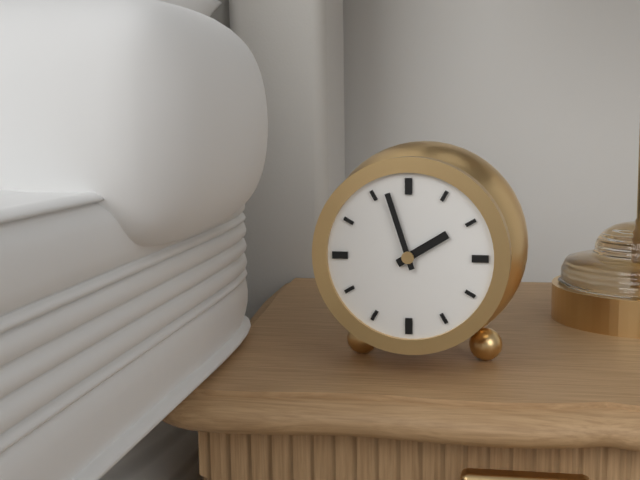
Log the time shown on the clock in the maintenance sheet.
1:57
